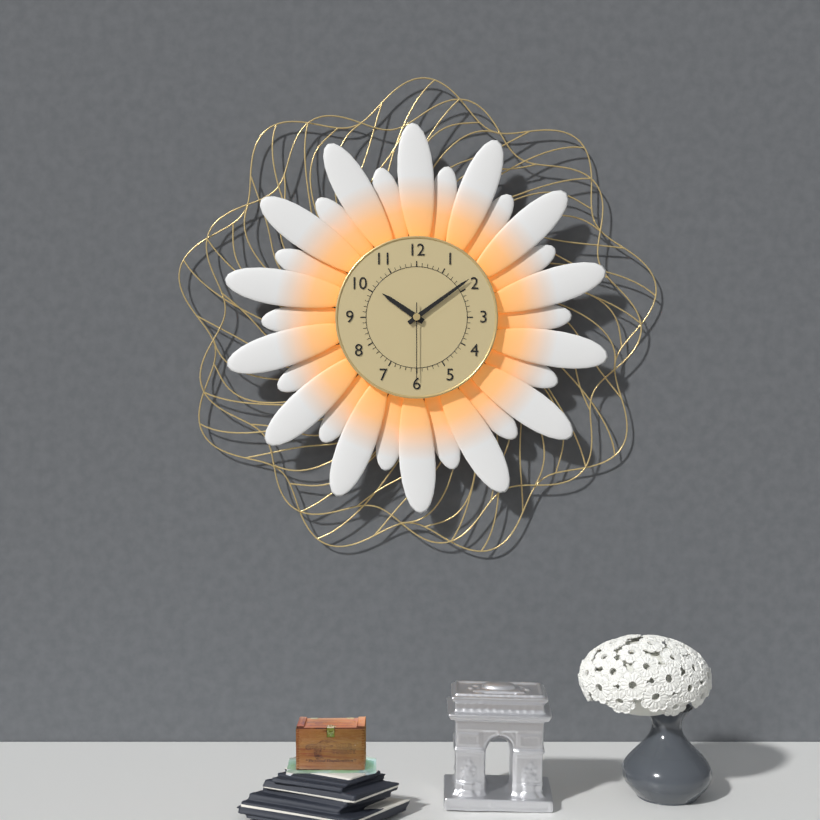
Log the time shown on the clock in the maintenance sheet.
10:09:30
